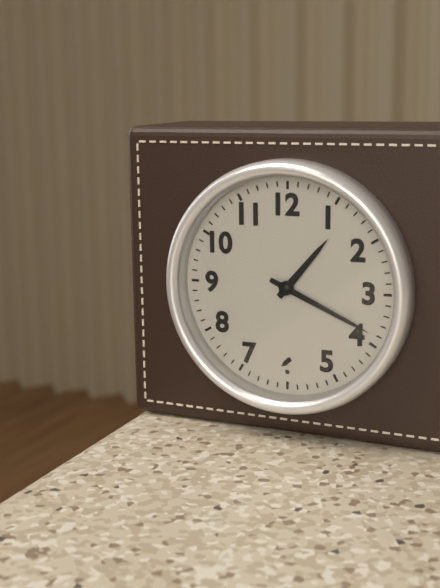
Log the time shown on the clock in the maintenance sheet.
1:19
